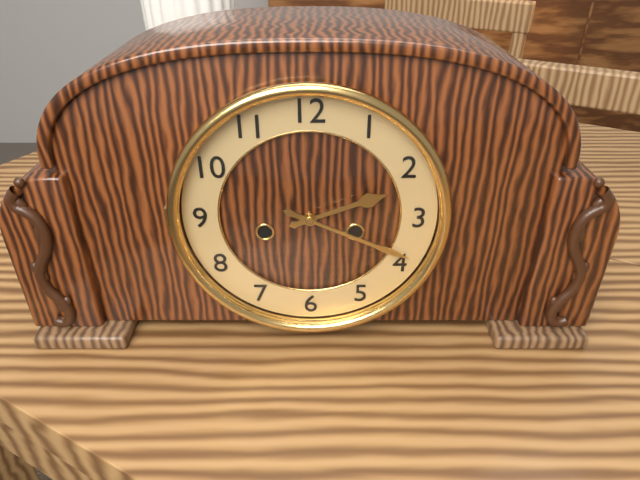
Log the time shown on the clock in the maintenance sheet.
2:19
